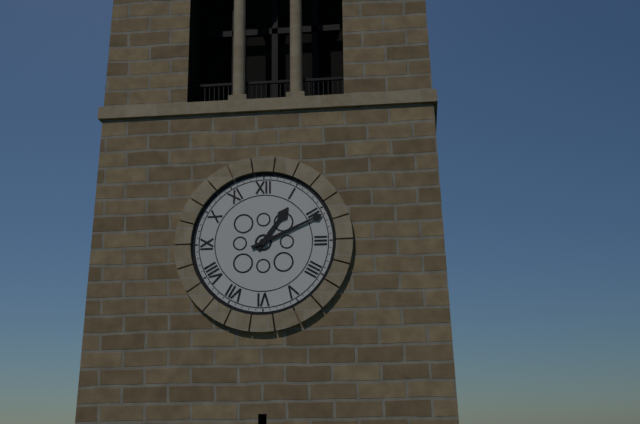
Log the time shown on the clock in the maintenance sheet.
1:11
